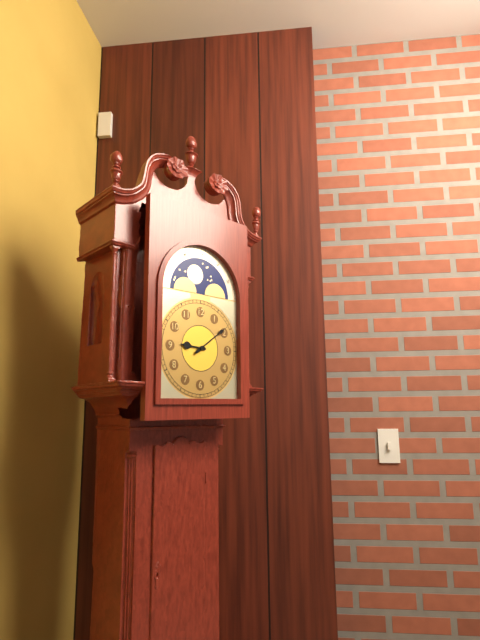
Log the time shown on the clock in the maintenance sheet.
9:09
